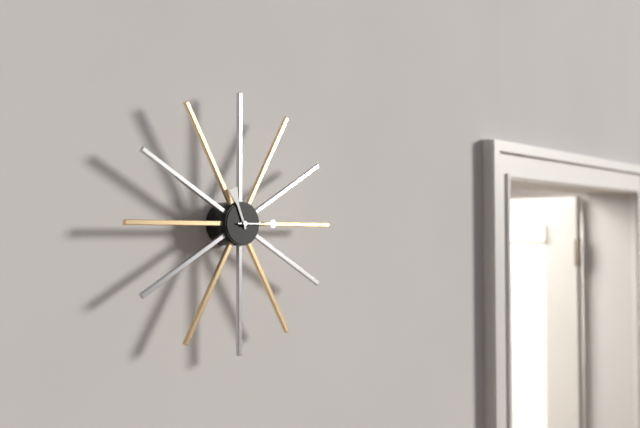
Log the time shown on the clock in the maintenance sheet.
11:15
